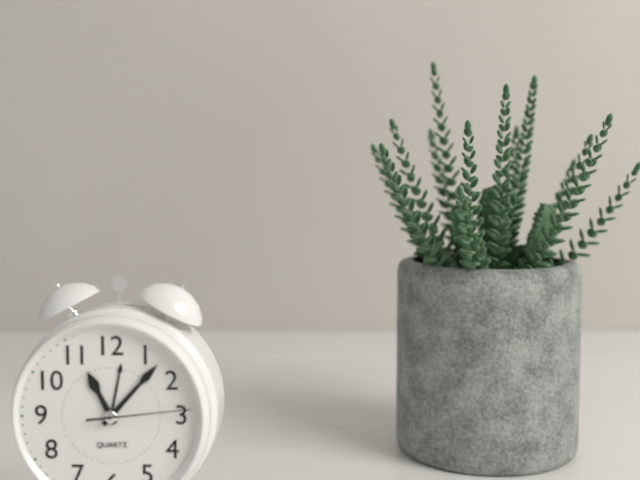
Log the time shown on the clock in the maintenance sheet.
11:07:14
